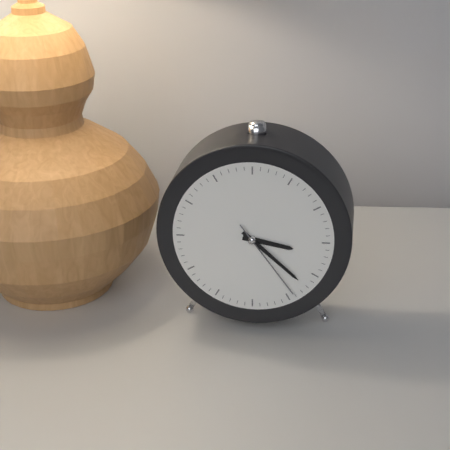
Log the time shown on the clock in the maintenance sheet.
3:22:24
